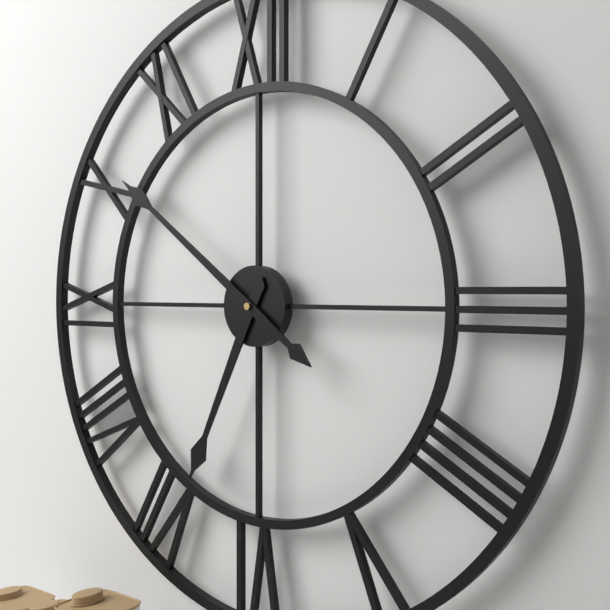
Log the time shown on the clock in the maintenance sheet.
6:51
